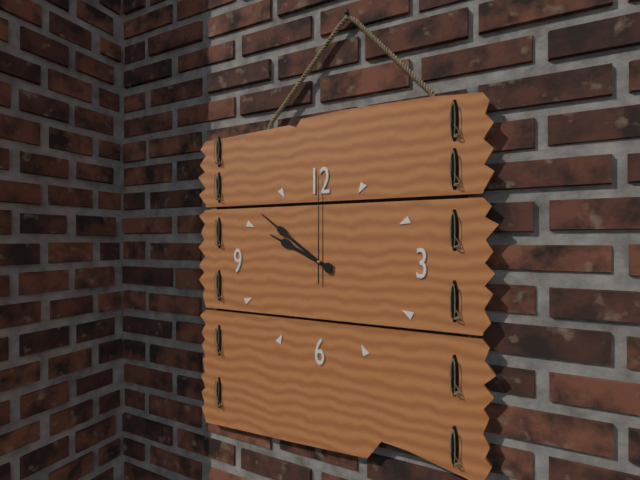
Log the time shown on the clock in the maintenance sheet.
9:51:00
